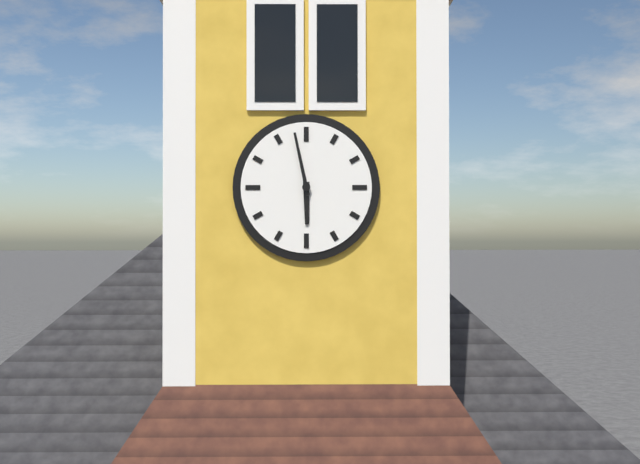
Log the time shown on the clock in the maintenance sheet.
5:58
